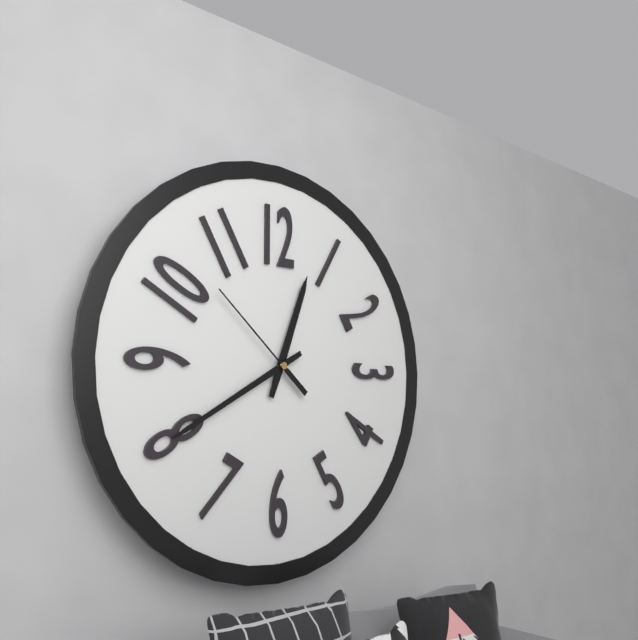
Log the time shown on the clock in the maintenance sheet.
12:40:52
